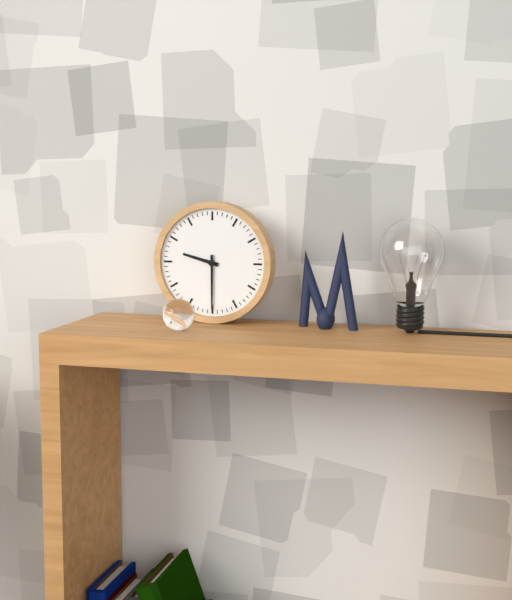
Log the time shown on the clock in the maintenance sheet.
9:30
